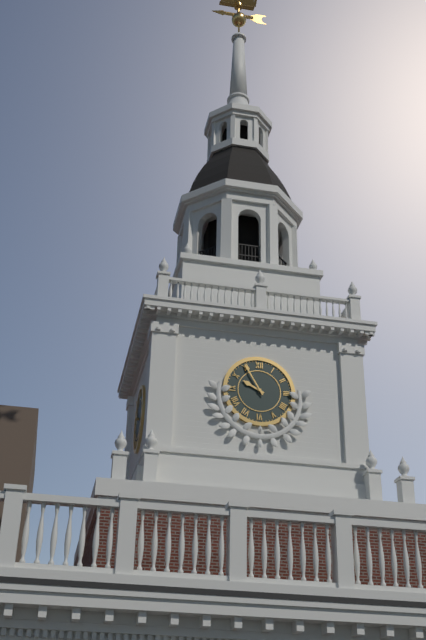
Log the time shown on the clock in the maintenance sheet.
9:55
